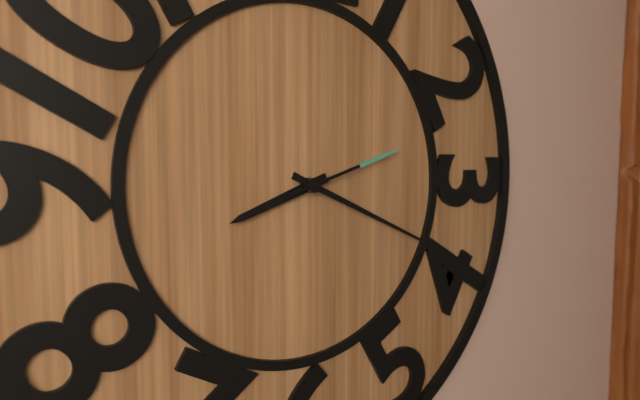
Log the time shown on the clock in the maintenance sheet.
8:19:12
